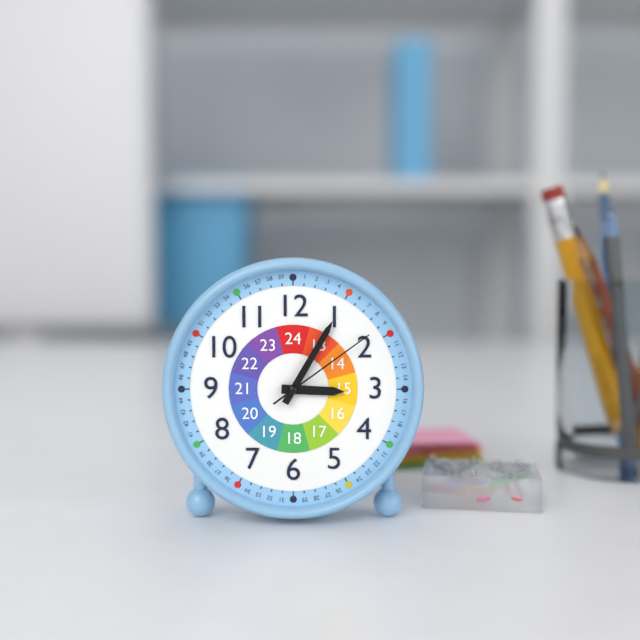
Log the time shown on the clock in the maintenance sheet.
3:05:09
